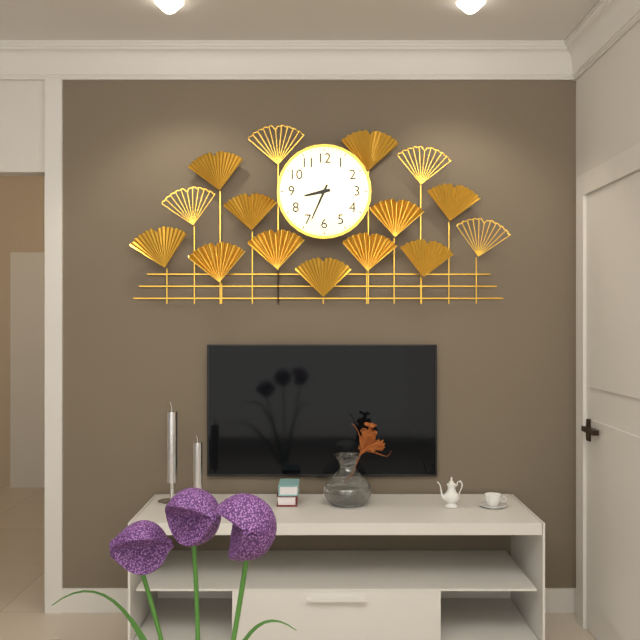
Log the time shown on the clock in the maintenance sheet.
8:34
